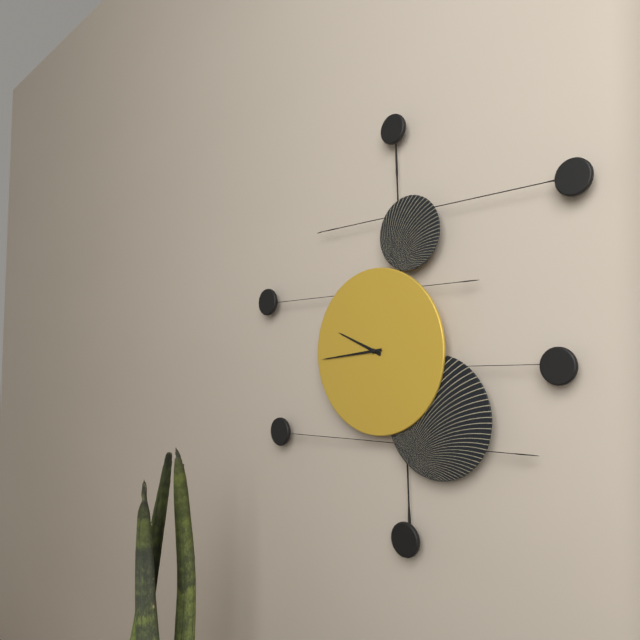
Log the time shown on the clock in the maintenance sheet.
9:44
